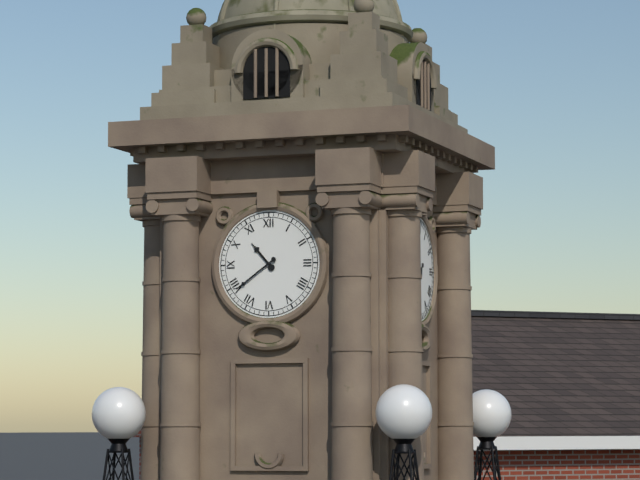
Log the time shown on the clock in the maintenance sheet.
10:39
